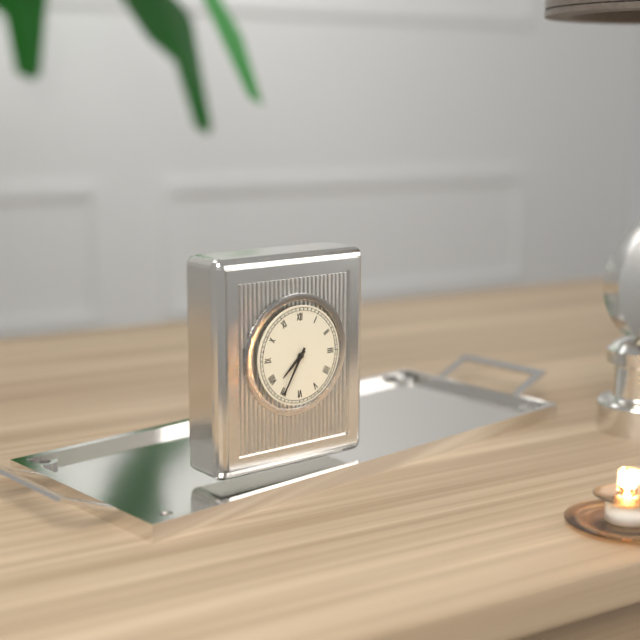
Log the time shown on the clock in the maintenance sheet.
7:35
